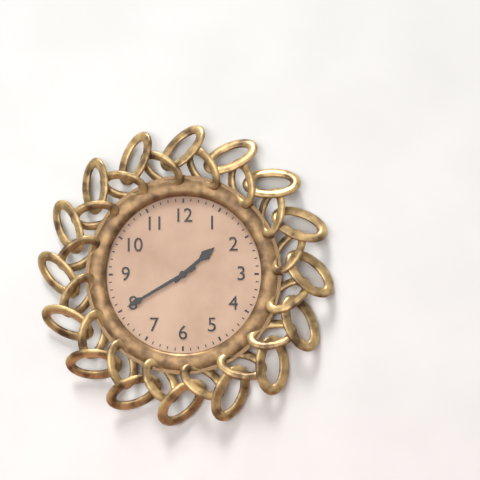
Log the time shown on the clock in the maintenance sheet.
1:40
